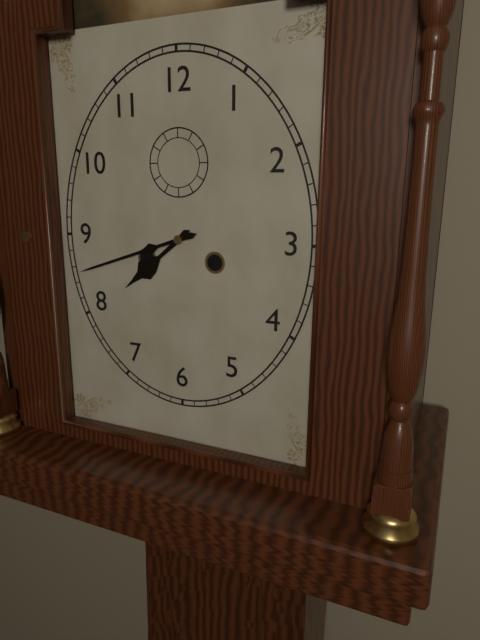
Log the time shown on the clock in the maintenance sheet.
7:42
